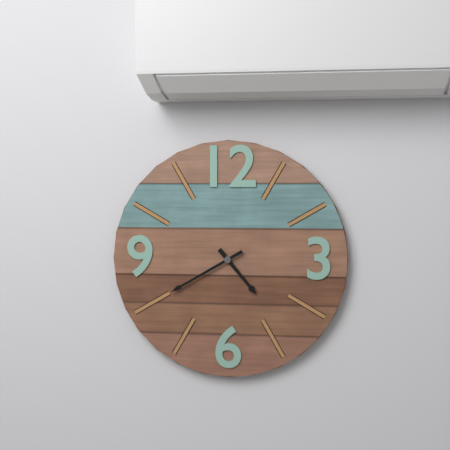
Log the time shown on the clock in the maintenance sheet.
4:40
